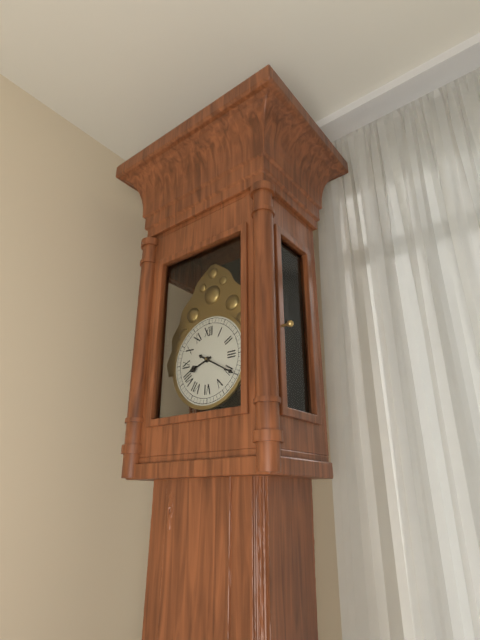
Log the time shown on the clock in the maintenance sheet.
8:20
